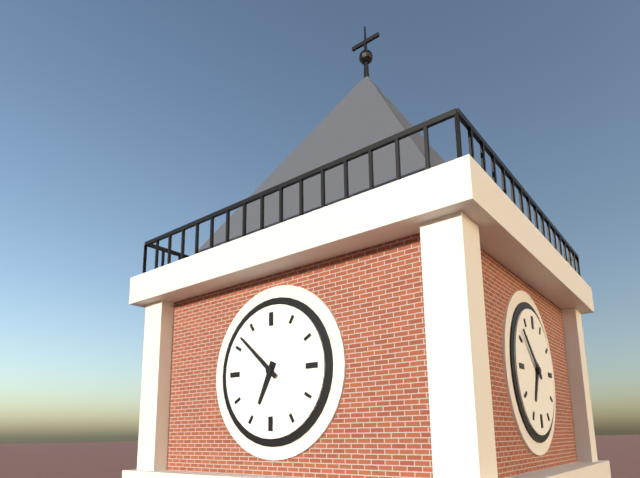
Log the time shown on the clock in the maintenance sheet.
6:52
